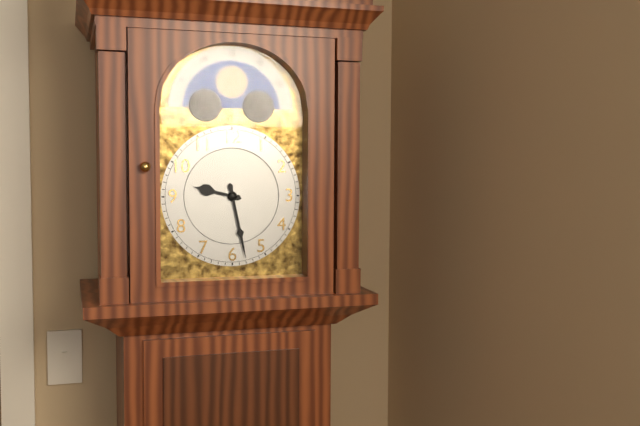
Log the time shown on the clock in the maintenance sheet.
9:28
